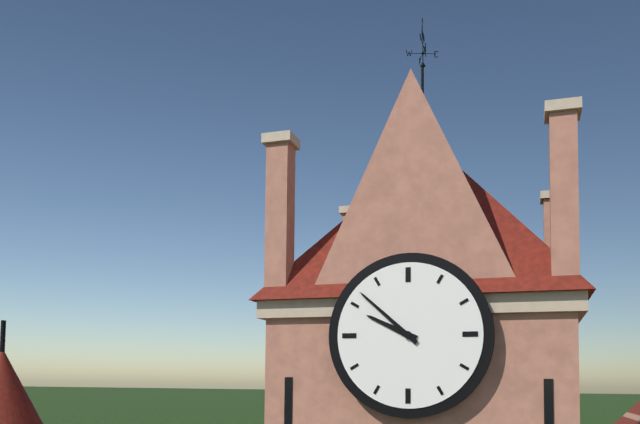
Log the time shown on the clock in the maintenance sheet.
9:52
